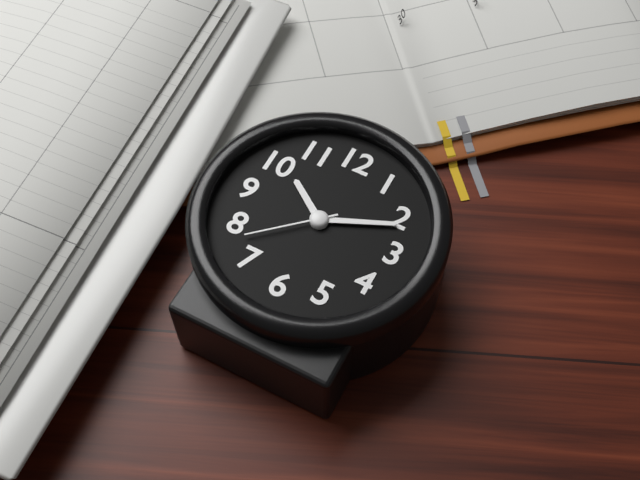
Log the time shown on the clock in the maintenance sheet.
10:11:38
